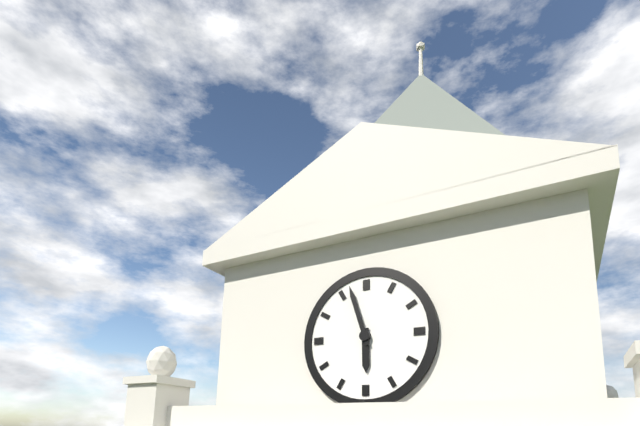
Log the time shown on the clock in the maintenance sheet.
5:57
